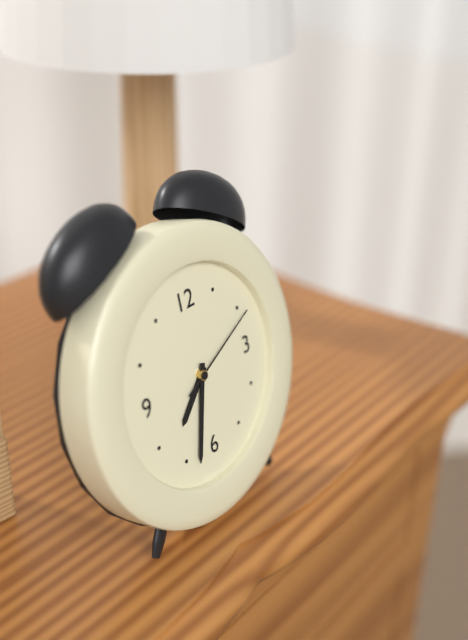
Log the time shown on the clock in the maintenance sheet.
7:33:11
